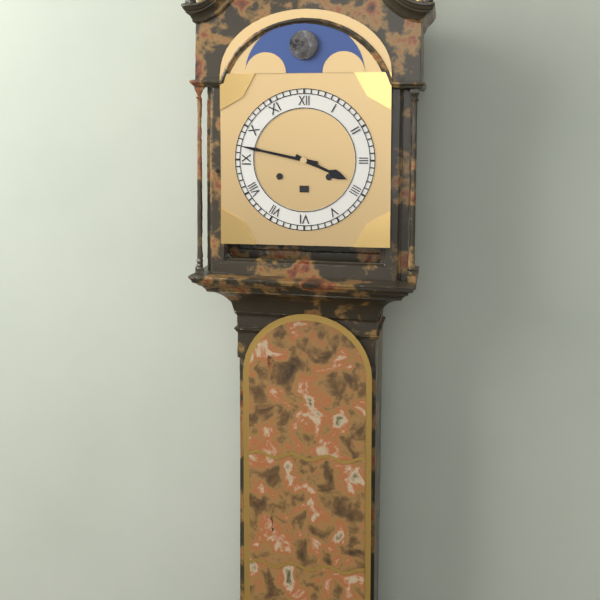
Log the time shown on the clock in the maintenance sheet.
3:47
